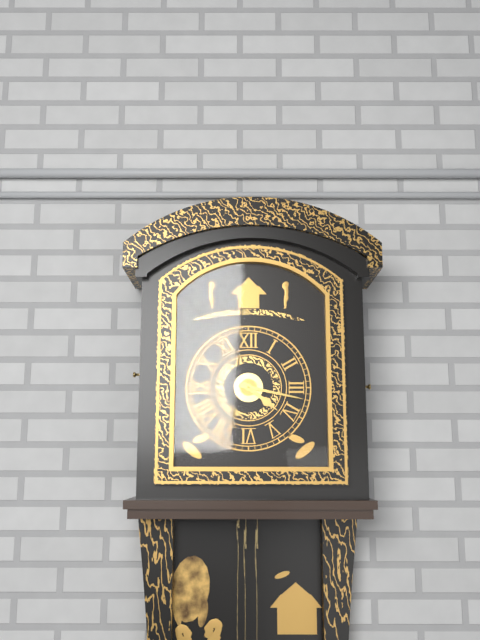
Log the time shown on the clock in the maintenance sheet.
4:17
